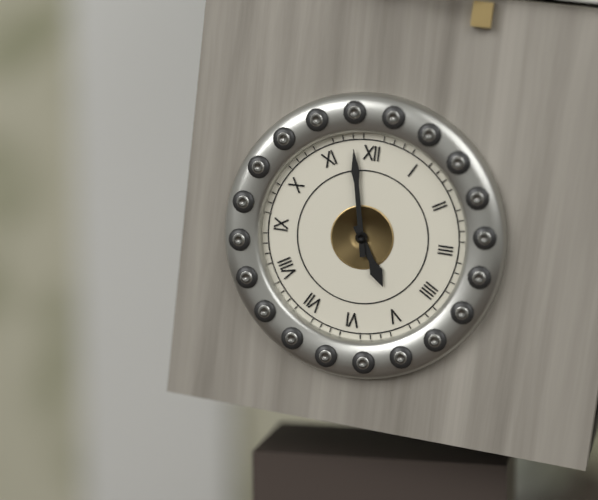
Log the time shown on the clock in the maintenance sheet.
4:58
